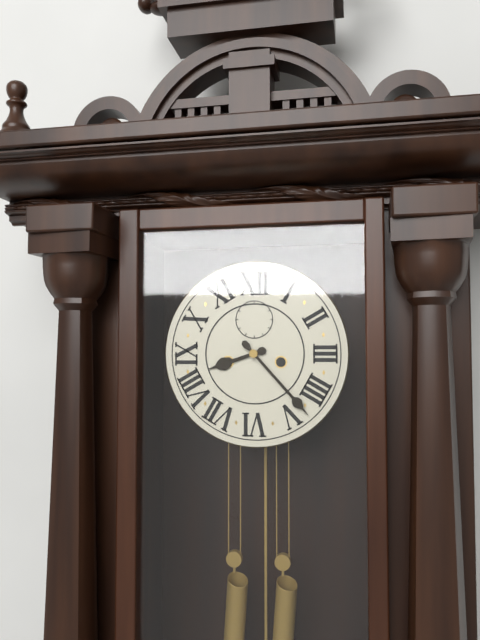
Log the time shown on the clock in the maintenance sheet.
8:23
